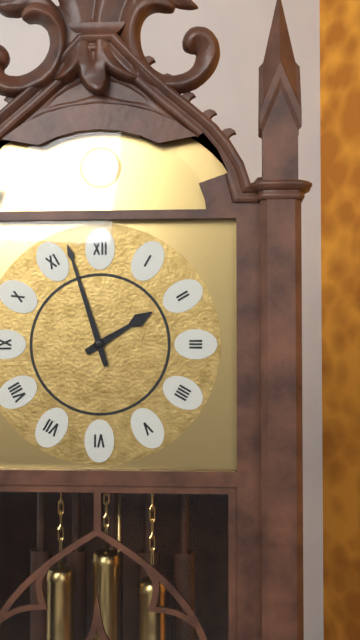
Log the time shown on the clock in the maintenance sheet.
1:57
